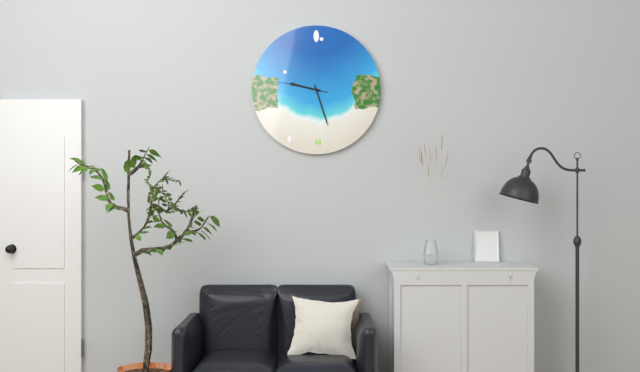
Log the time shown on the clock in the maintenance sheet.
9:27
